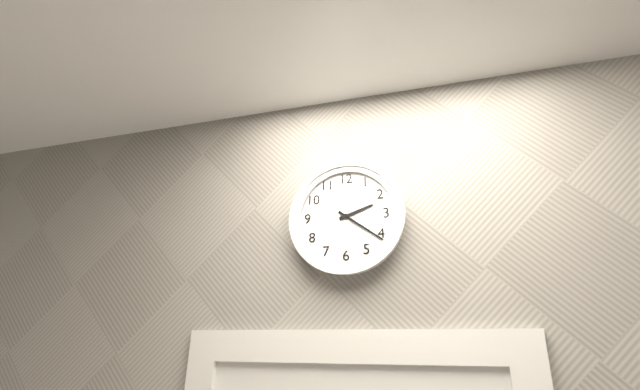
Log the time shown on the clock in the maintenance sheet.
2:21
